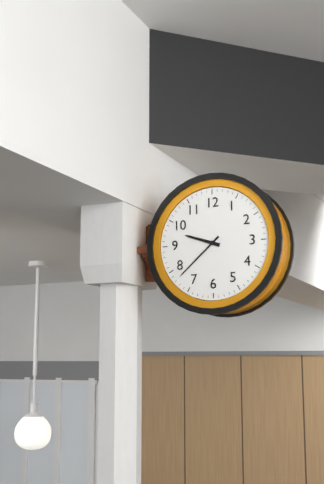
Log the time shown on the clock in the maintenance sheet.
9:38
